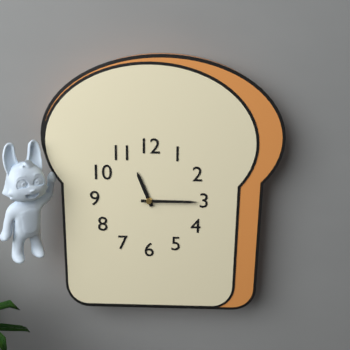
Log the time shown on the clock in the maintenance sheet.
11:15
